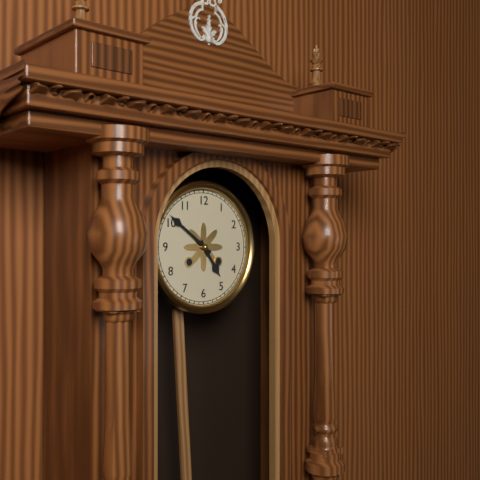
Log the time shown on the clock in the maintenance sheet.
4:51
